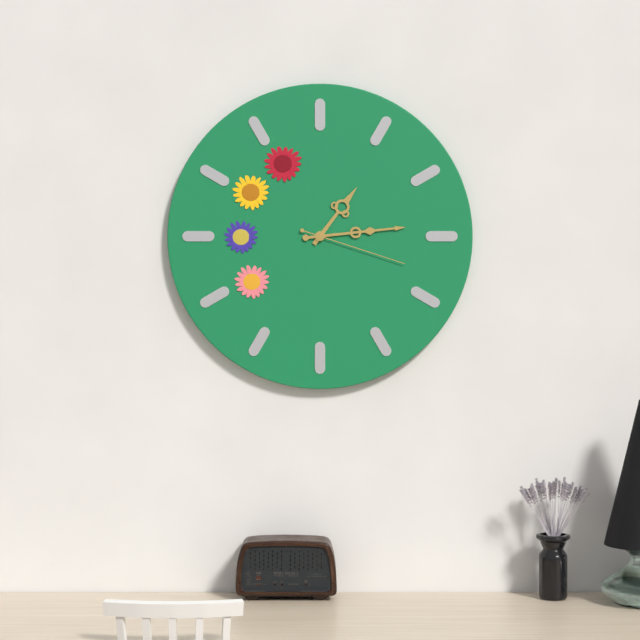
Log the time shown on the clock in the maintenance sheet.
1:14:18
